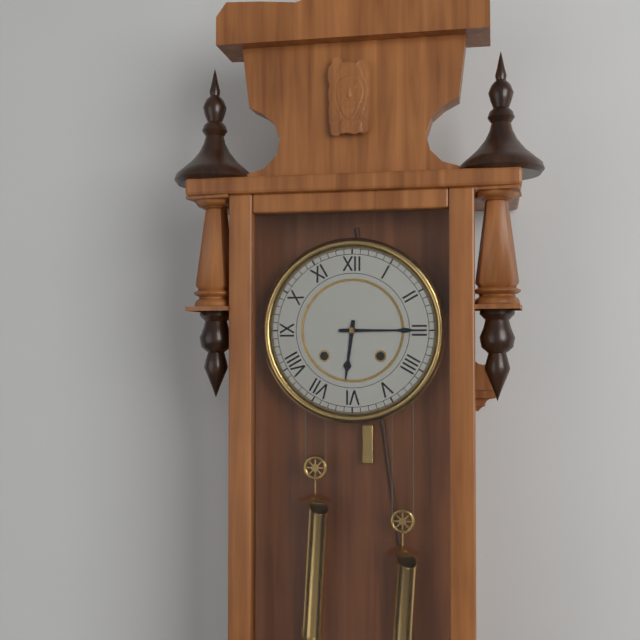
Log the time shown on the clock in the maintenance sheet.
6:15
